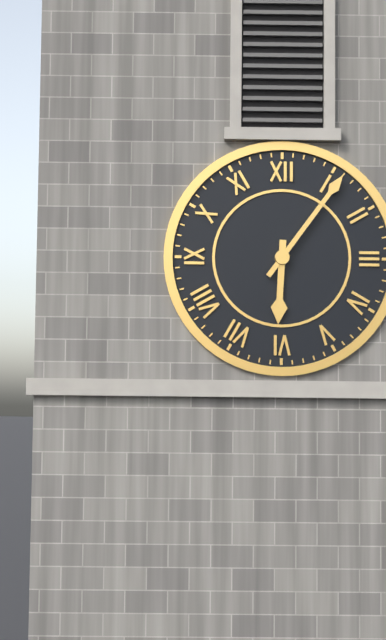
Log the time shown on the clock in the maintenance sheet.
6:06
